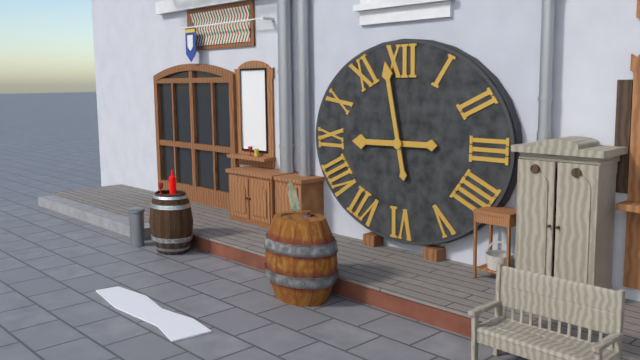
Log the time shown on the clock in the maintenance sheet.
8:58
